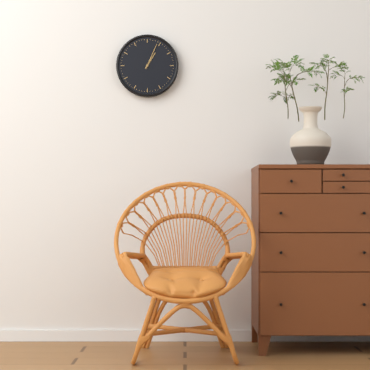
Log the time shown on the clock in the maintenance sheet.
1:04
